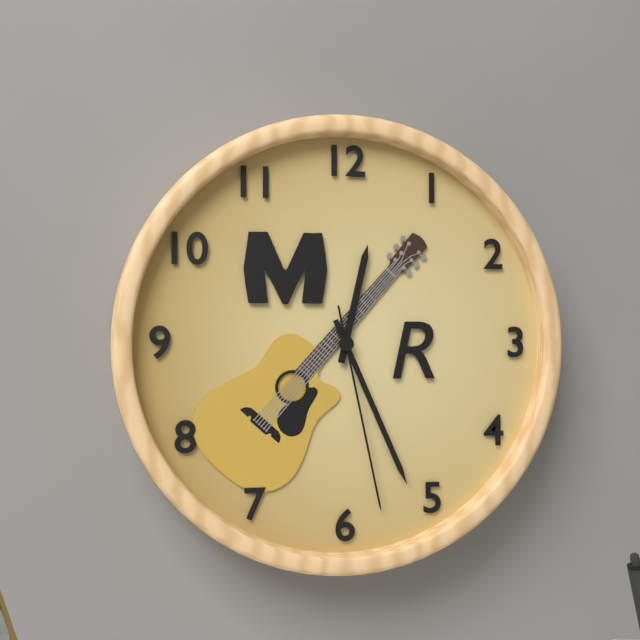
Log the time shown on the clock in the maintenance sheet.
12:26:28
